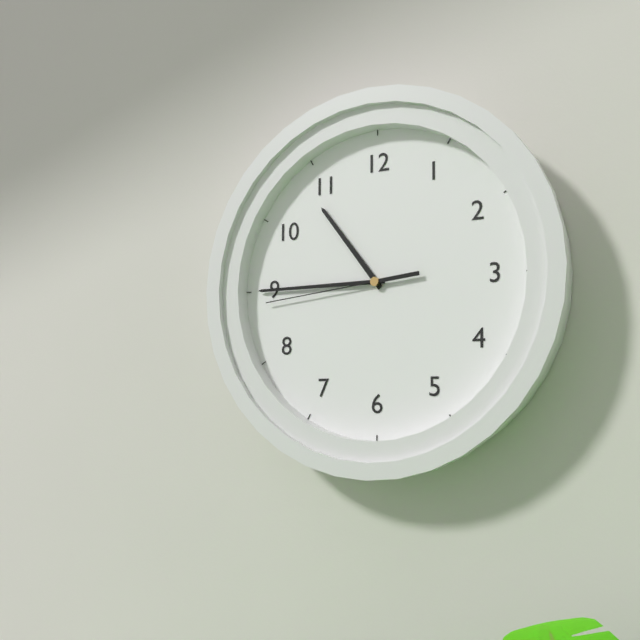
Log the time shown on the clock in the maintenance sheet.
10:45:44
